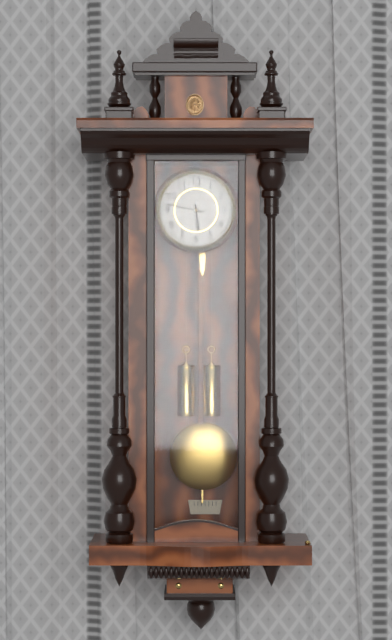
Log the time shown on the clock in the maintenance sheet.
5:47
